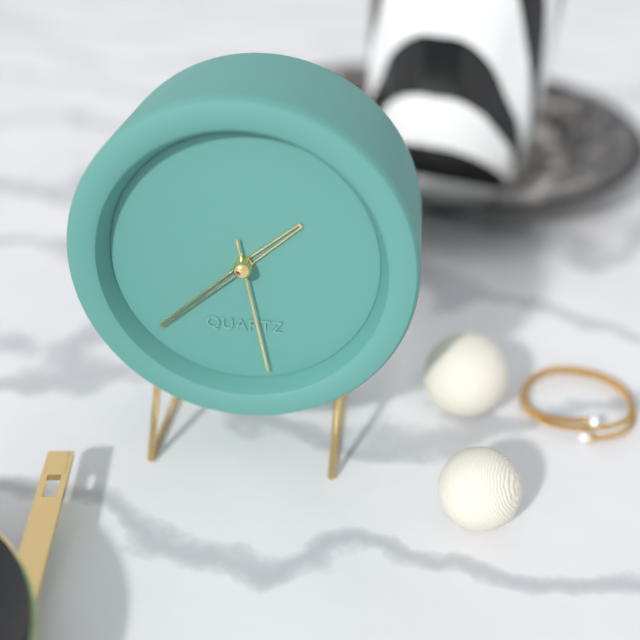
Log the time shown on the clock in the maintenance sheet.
1:38:28
